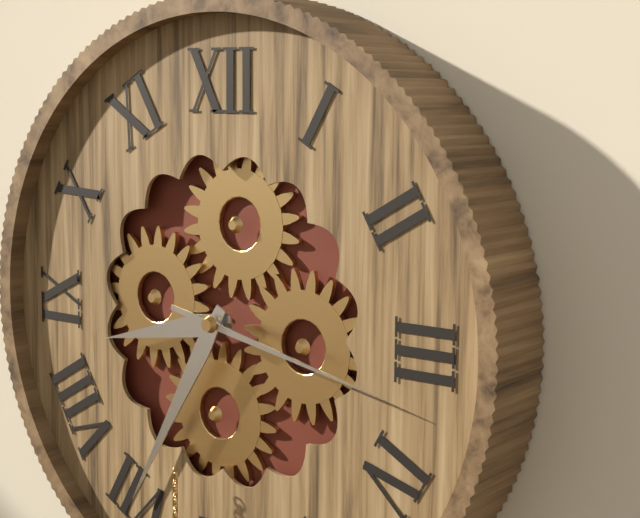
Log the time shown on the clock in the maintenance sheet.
8:35:17
